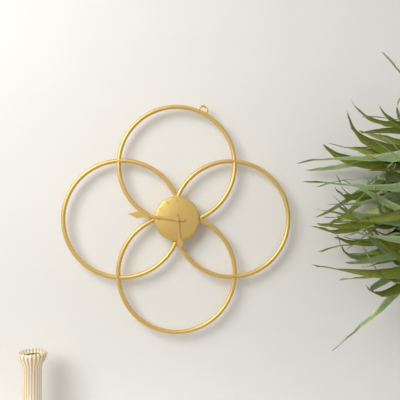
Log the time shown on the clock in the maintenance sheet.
5:46
